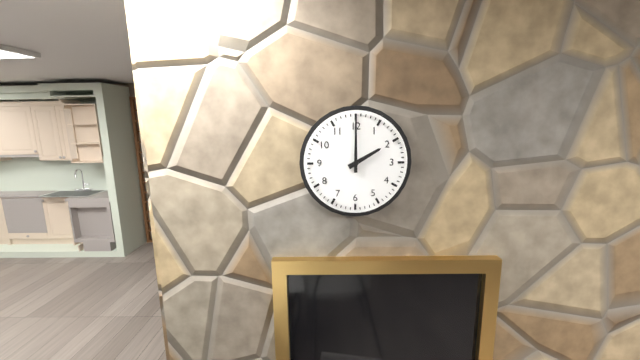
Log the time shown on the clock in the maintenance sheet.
2:00
